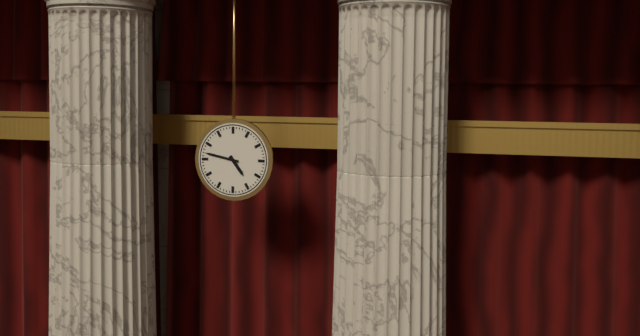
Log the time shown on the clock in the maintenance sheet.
4:47
